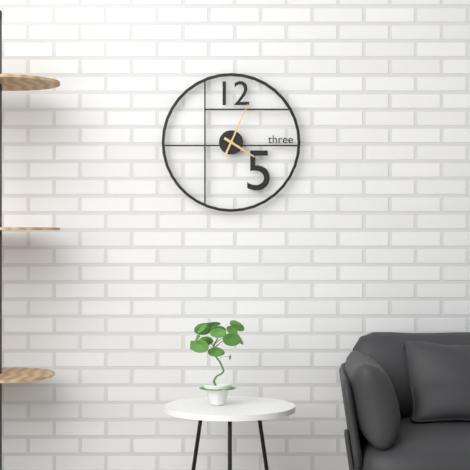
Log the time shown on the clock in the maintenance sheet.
4:04
